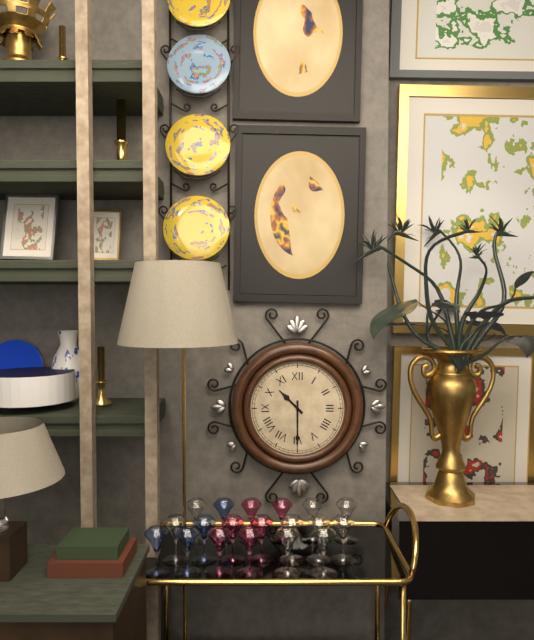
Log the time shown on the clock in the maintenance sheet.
10:30
